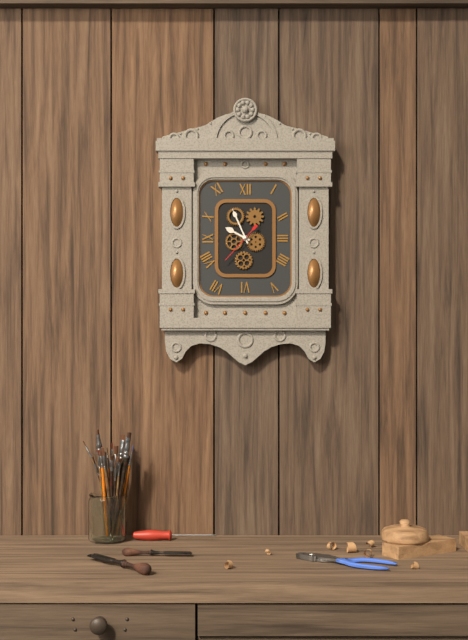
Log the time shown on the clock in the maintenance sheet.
9:56
